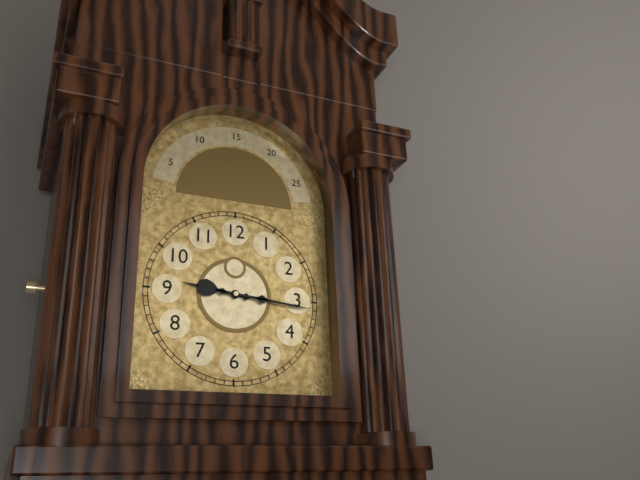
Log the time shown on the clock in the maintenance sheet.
9:16
